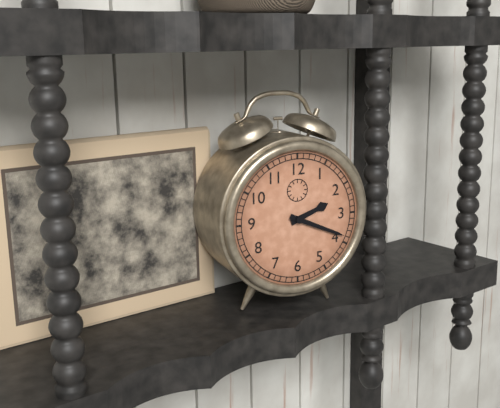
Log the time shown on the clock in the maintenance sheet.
2:19
